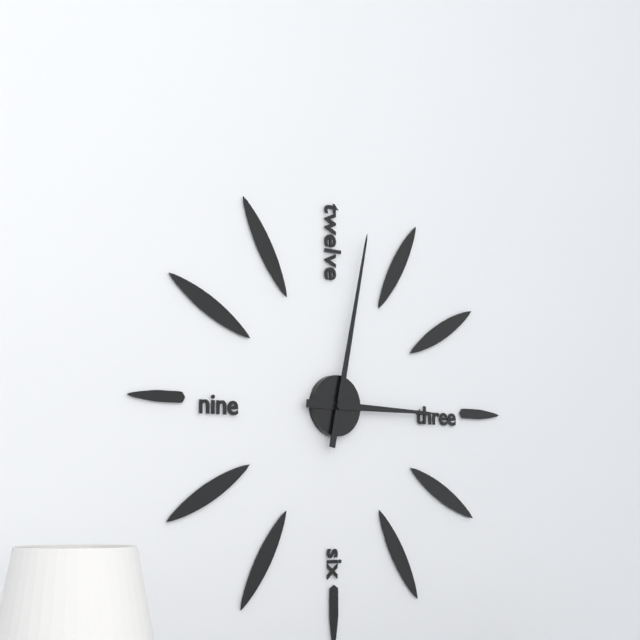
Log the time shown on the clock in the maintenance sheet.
3:02
